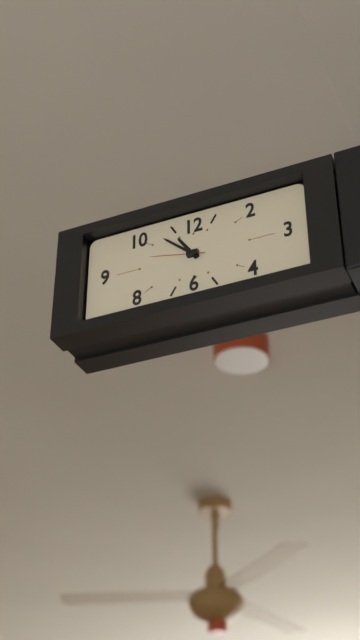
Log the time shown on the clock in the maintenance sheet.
10:52:47
